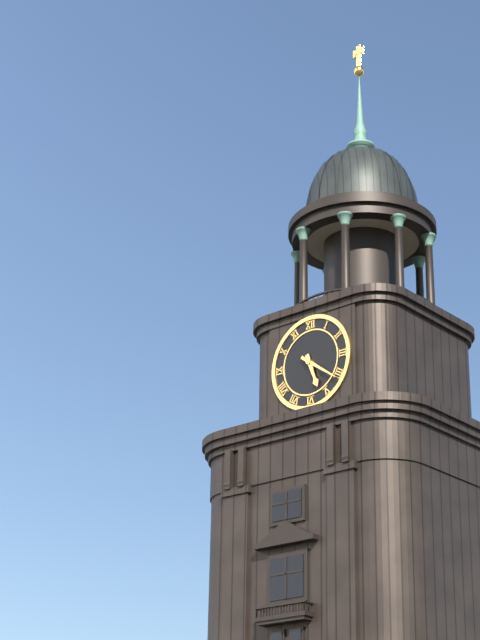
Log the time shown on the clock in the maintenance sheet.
5:21
